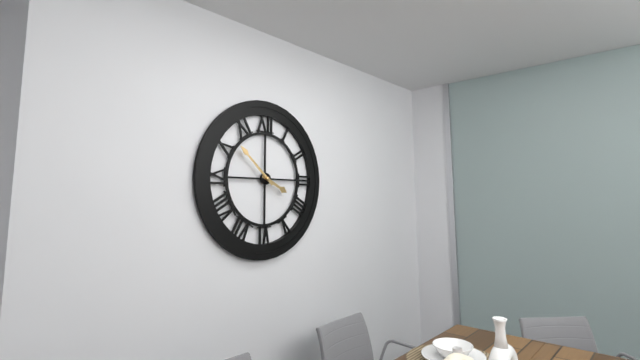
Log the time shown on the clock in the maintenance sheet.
3:52
